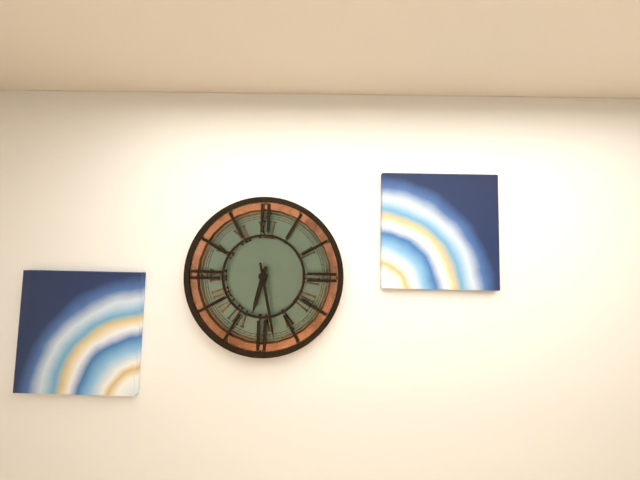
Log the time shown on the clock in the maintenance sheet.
6:28
